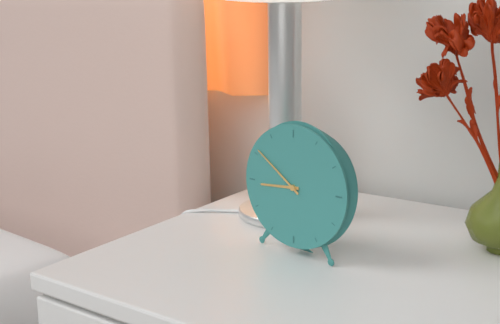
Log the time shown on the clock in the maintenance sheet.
8:51
